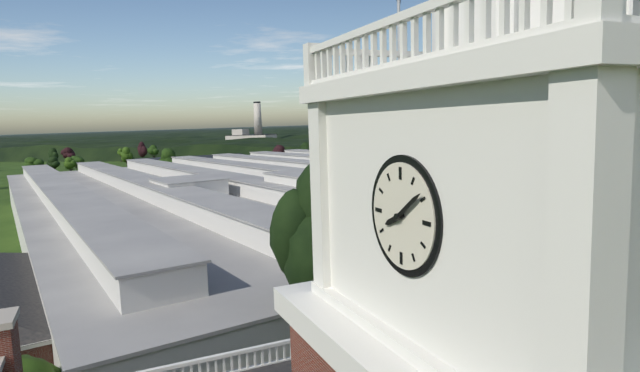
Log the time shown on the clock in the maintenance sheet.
8:09
